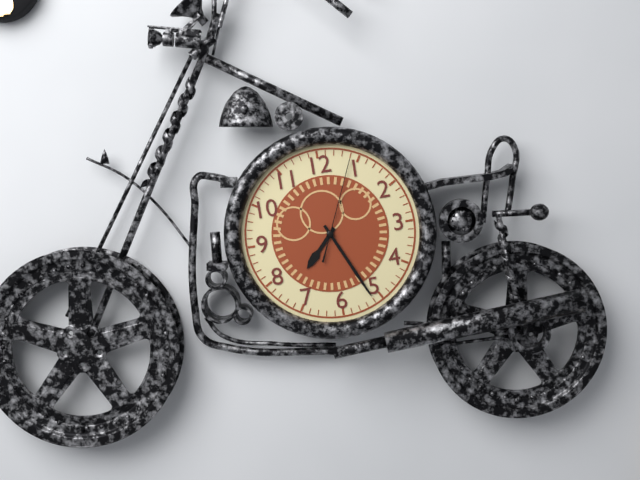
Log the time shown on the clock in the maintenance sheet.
7:26:04
